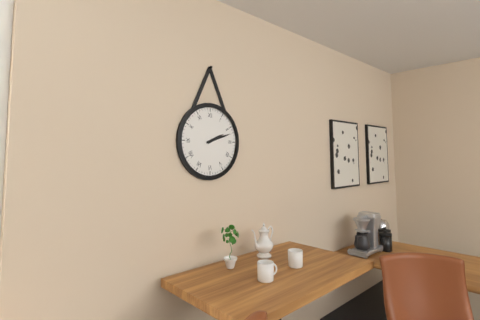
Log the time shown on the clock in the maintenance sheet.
2:12
